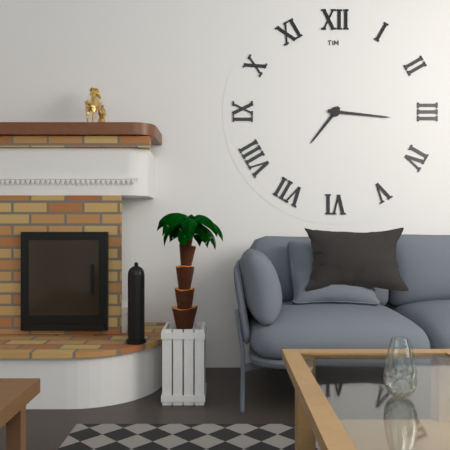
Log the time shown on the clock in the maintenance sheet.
7:16
